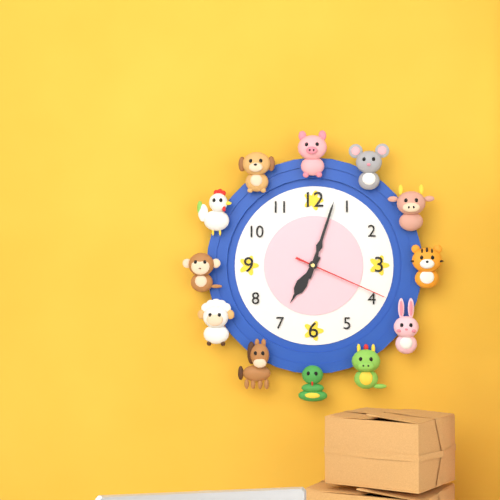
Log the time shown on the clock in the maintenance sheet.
7:03:19
